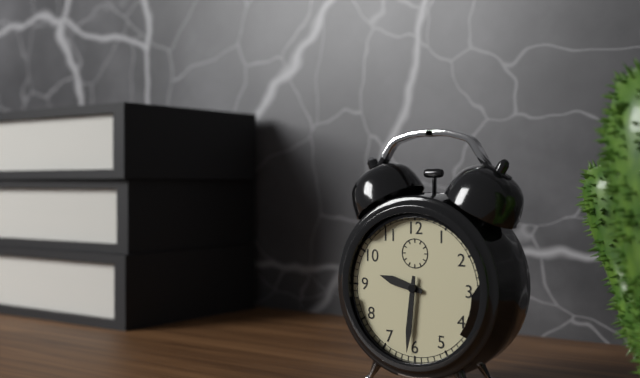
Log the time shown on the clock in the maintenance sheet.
9:31
